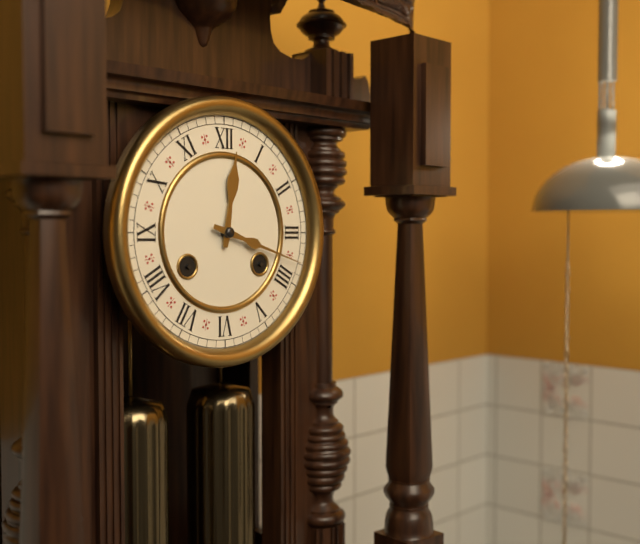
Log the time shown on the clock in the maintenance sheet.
12:18
